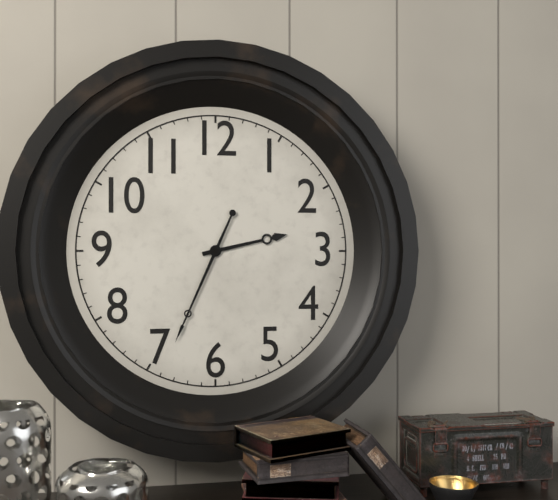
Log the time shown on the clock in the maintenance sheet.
2:34
